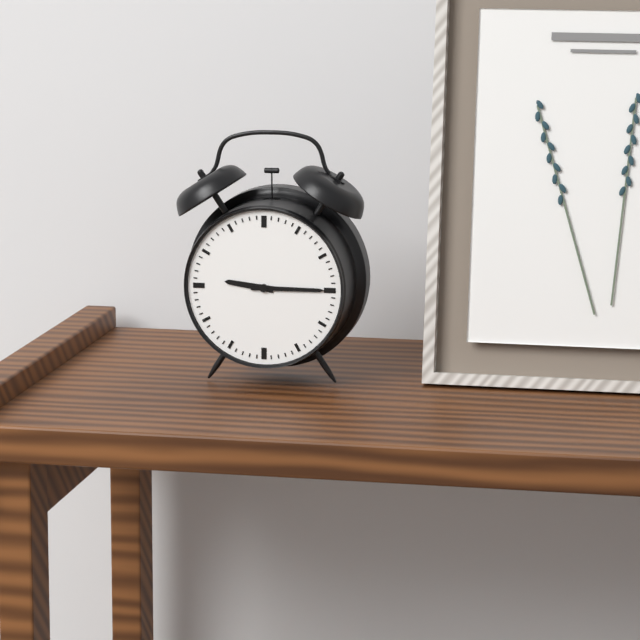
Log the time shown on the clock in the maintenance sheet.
9:15
